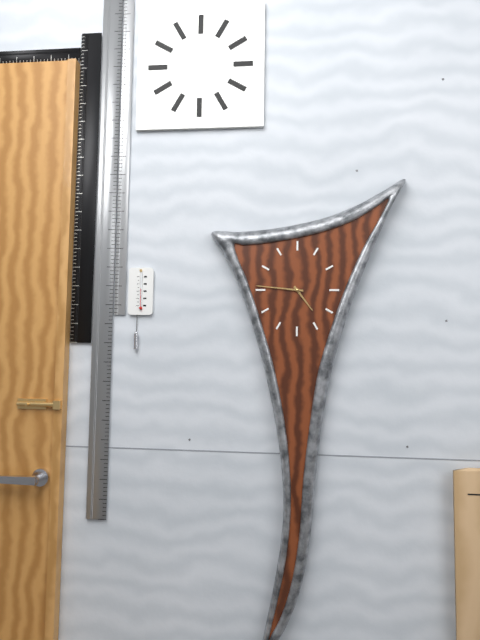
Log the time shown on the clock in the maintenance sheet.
4:46
